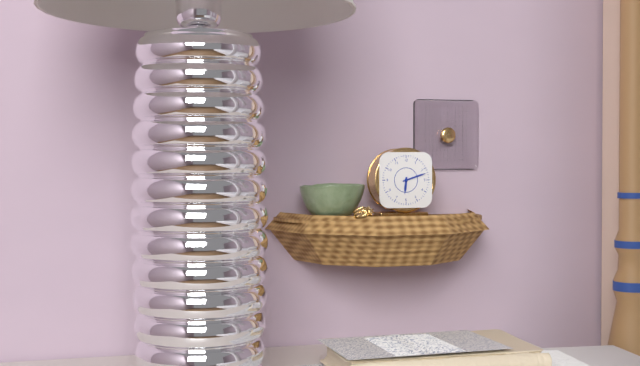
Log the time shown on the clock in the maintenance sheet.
6:12
